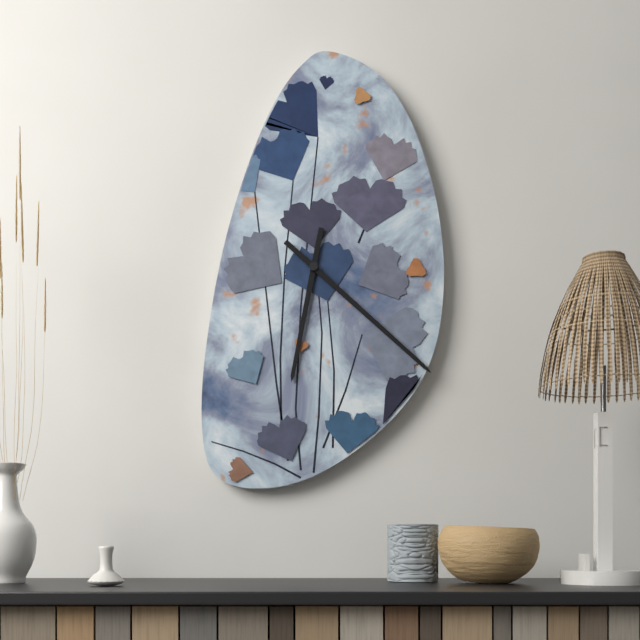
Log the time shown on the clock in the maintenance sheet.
6:22
